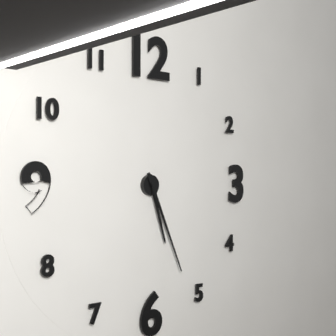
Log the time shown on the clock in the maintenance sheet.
5:26
